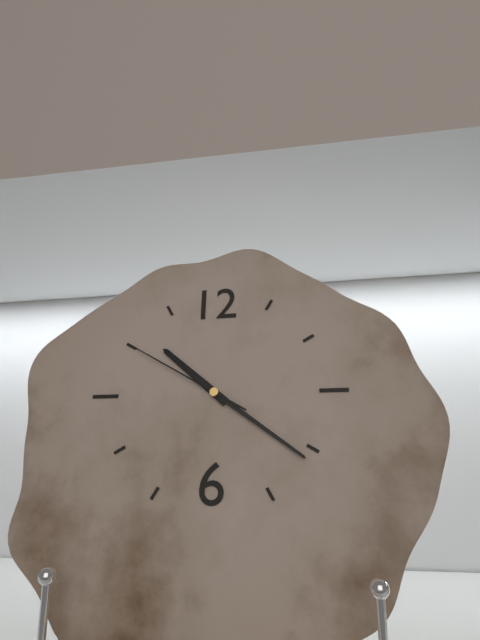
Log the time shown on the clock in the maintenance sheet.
10:21:50
